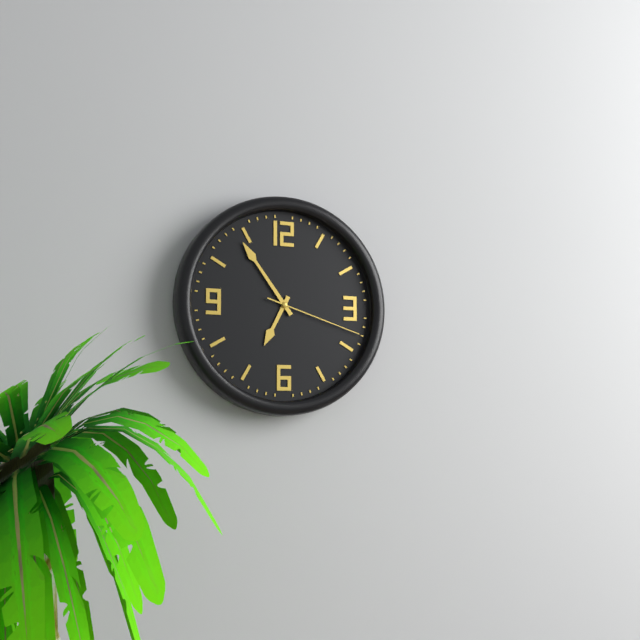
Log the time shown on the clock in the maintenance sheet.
6:54:18
